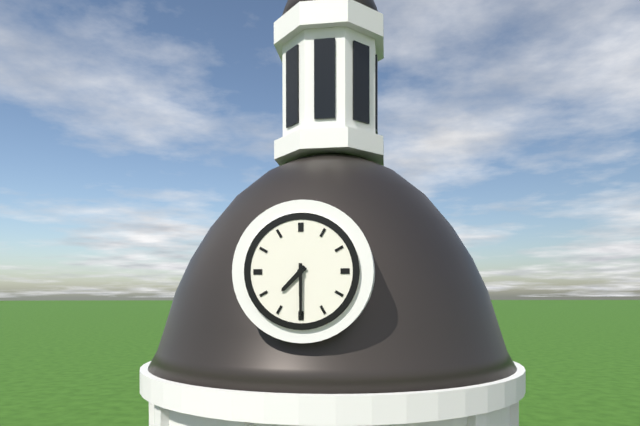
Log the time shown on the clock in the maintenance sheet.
7:30
